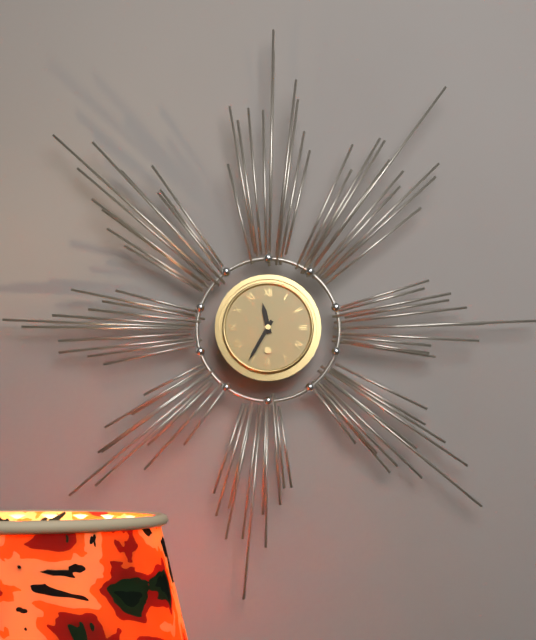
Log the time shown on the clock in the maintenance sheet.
11:35
